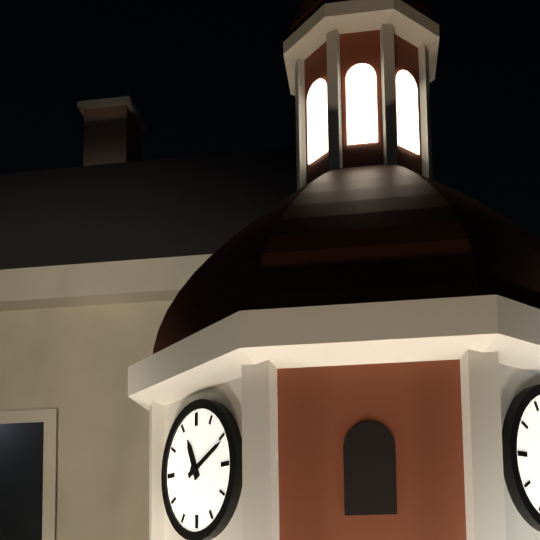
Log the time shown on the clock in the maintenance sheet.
11:11
